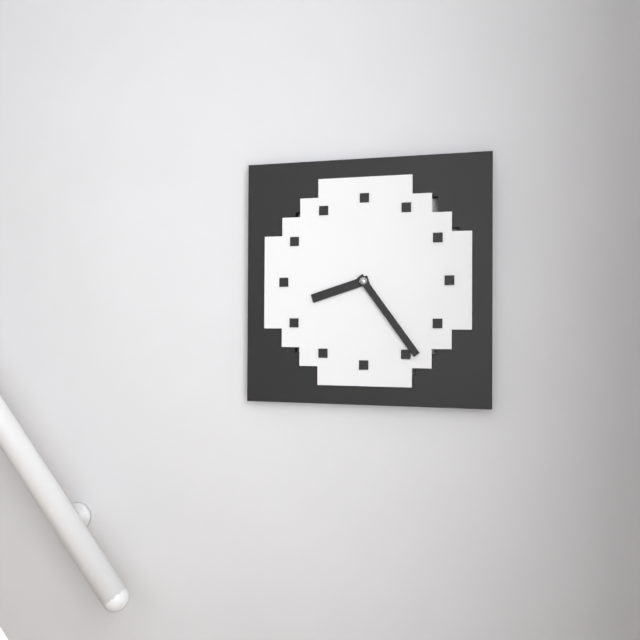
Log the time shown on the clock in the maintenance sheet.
8:24
